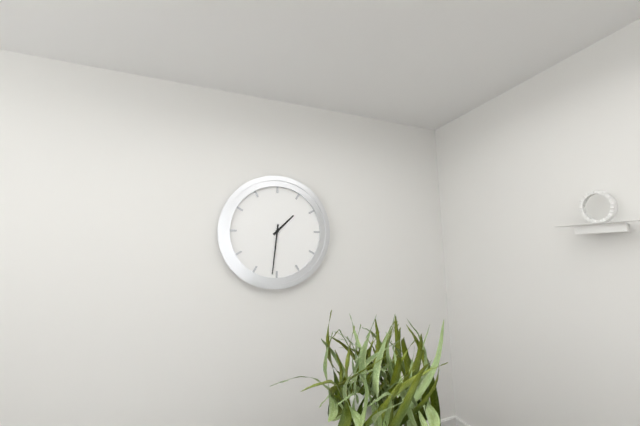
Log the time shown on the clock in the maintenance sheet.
1:31
